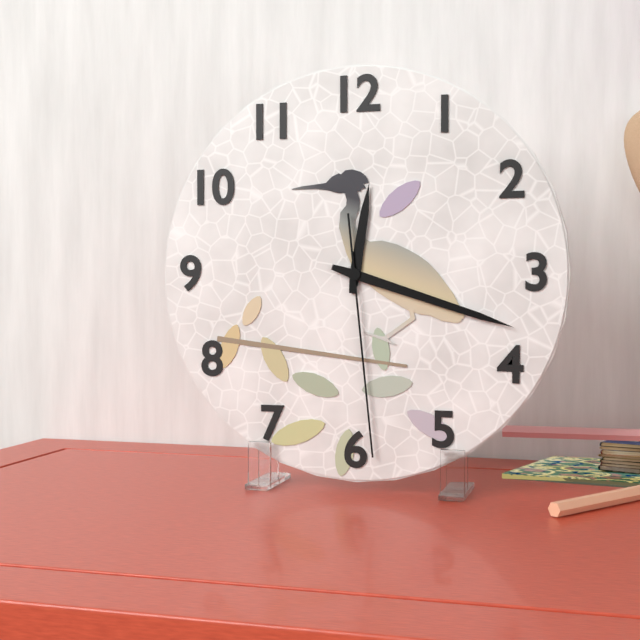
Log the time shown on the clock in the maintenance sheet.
12:18:29
